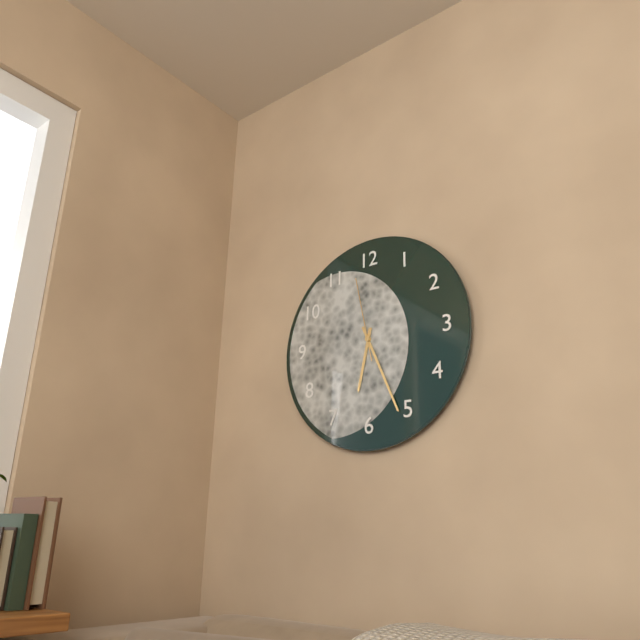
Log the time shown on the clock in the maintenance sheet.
6:26:58
